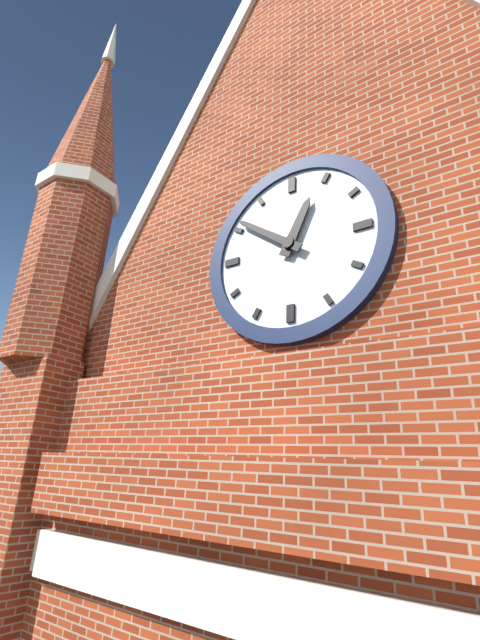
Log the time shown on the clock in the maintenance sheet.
12:51
